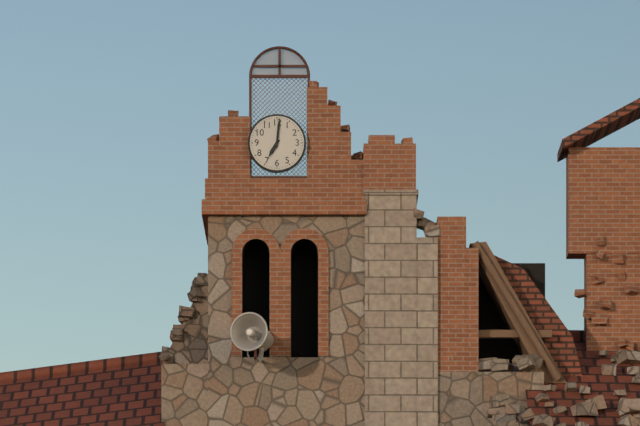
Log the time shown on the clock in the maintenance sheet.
7:01
